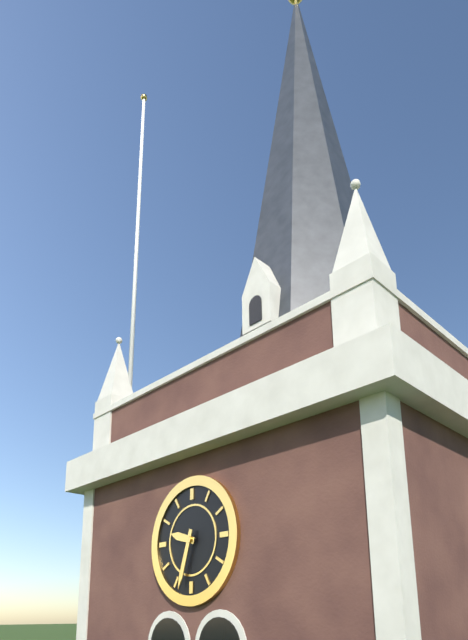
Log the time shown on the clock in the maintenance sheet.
9:33
